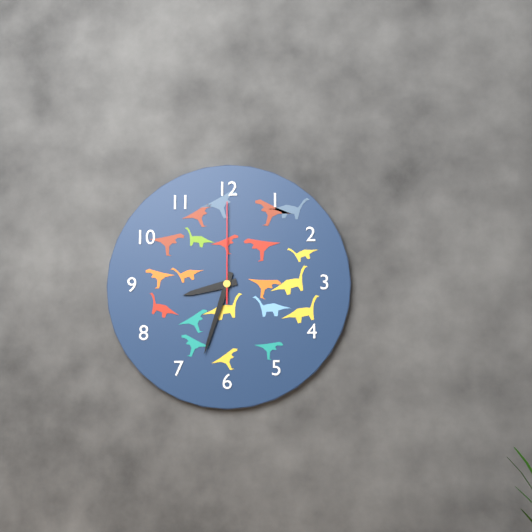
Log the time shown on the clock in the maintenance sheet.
8:33:00
